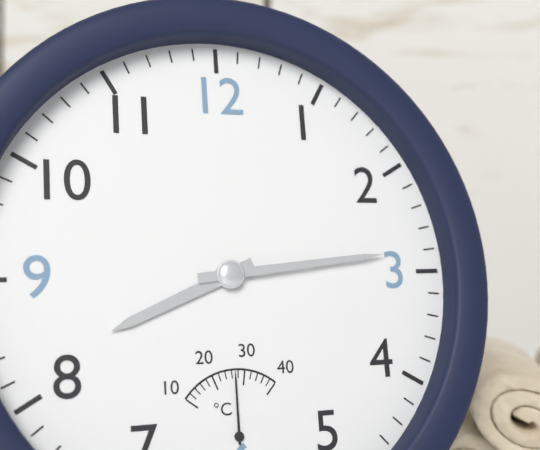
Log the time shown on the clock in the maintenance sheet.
8:14
